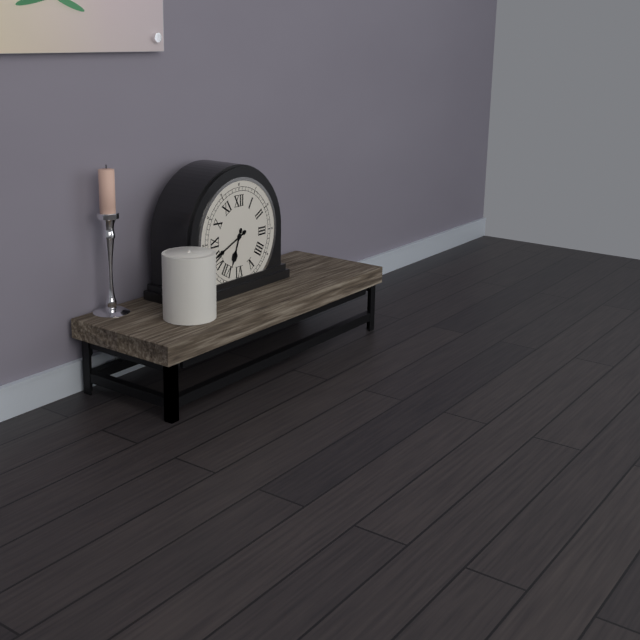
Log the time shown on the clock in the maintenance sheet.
6:41
